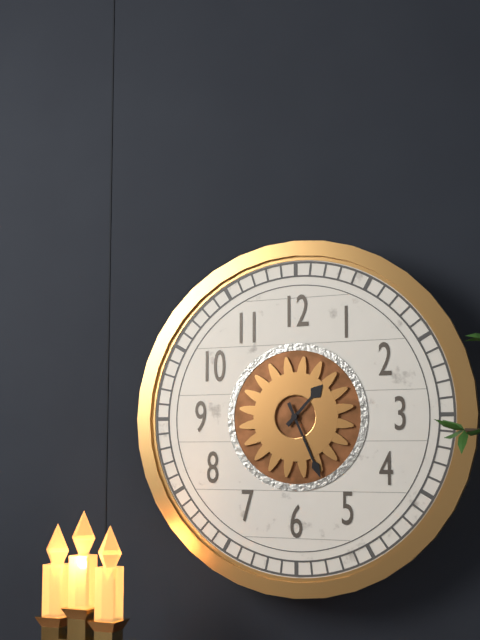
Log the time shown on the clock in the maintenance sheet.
1:26
